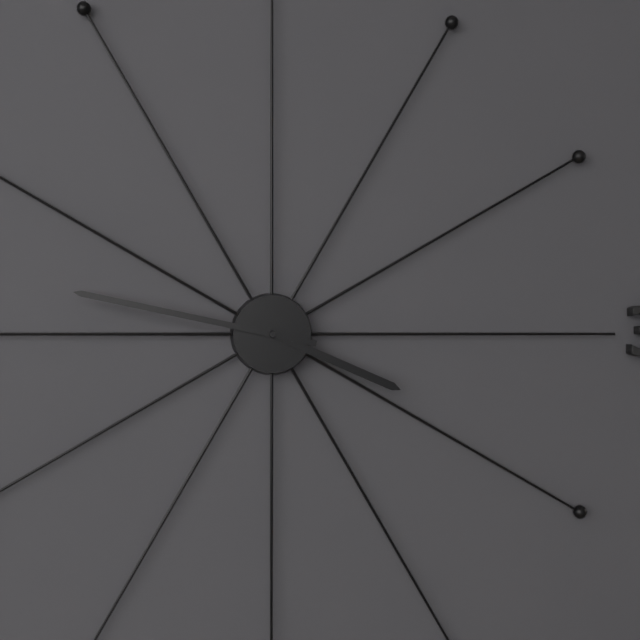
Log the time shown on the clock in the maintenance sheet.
3:47
